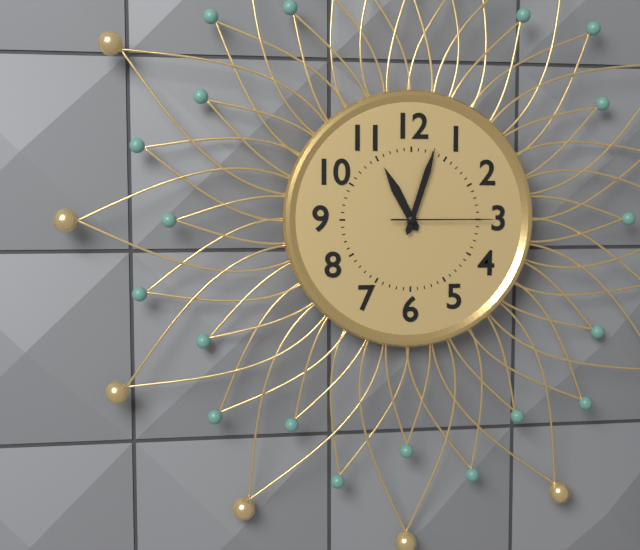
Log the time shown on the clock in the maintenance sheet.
11:03:15
